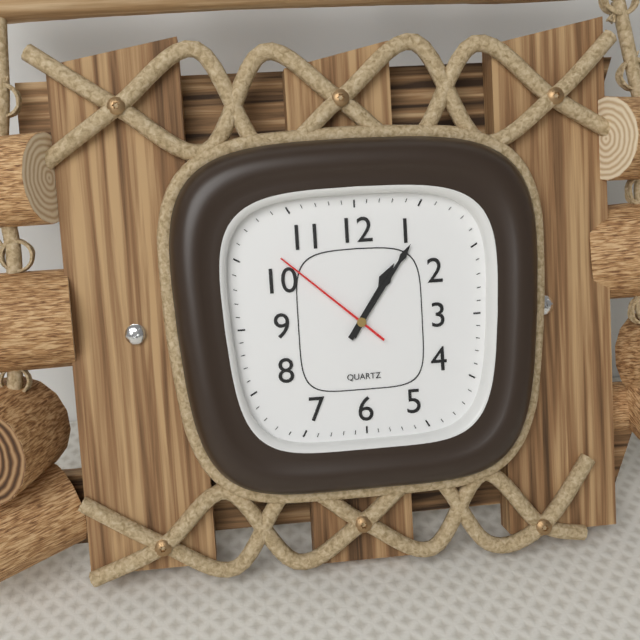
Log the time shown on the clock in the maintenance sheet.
1:06:52
